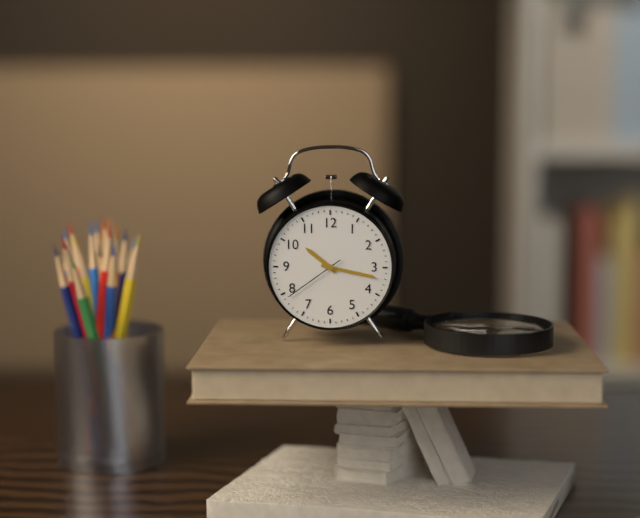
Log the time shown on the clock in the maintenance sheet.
10:17:39
